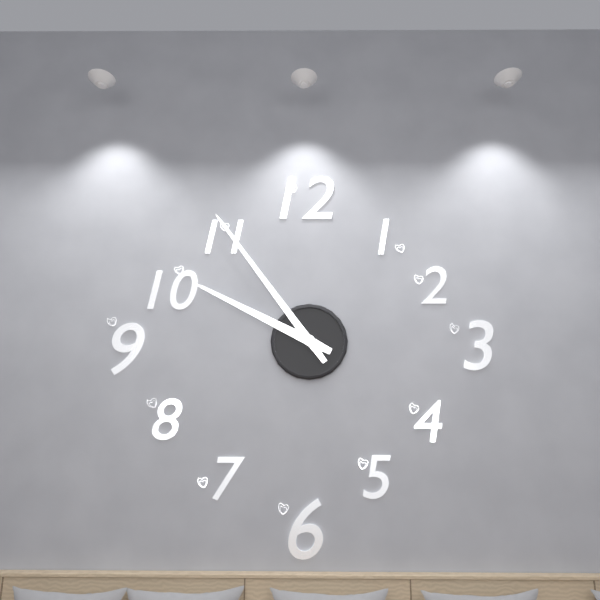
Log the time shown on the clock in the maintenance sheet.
9:54
